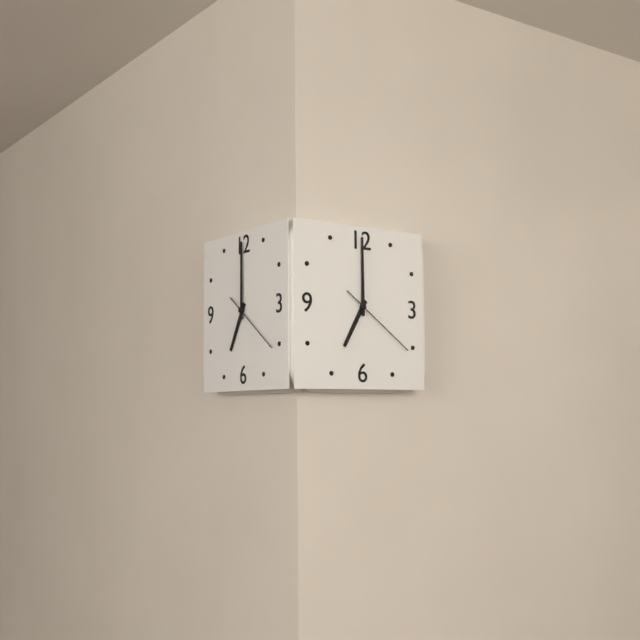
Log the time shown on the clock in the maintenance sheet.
7:00:21
